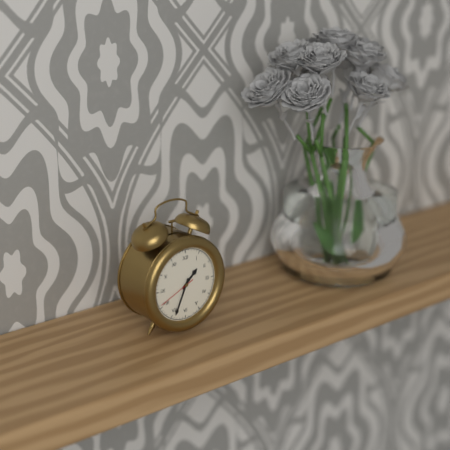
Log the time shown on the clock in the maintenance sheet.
1:34
